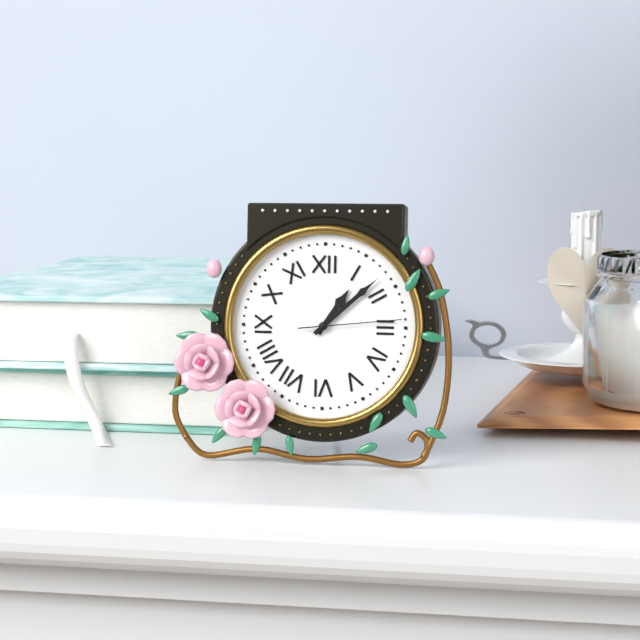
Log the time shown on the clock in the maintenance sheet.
1:08:14
